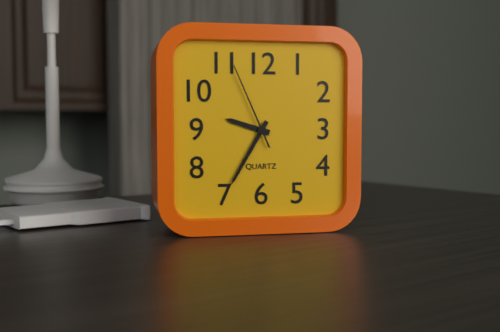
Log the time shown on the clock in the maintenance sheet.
9:35:56
